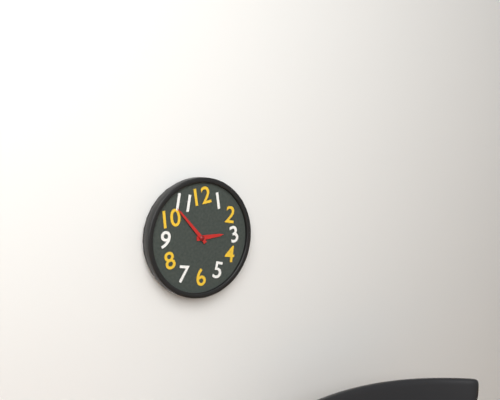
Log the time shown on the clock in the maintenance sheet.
2:53
